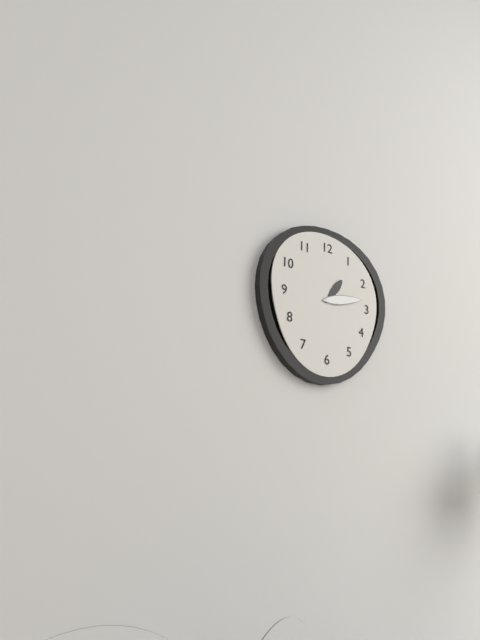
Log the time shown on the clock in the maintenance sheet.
1:13
